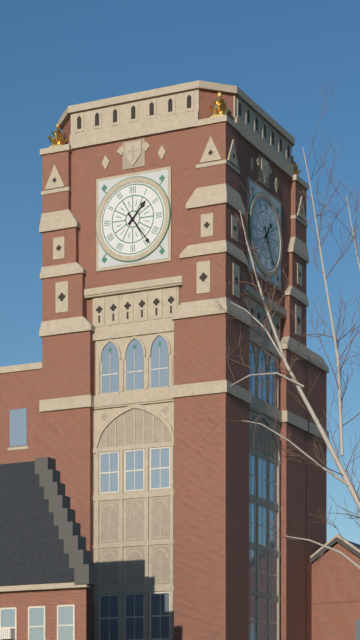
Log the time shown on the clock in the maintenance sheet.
1:24
